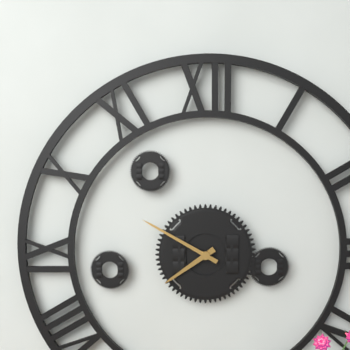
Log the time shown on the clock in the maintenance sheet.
7:50
